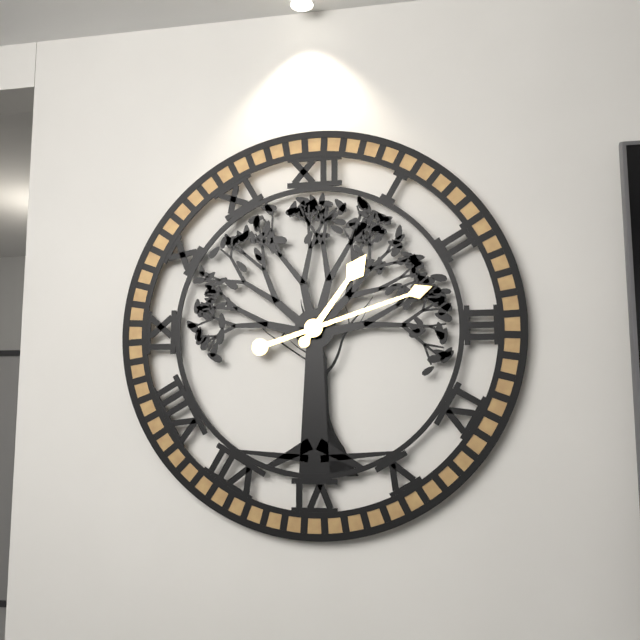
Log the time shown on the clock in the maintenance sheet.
1:12
